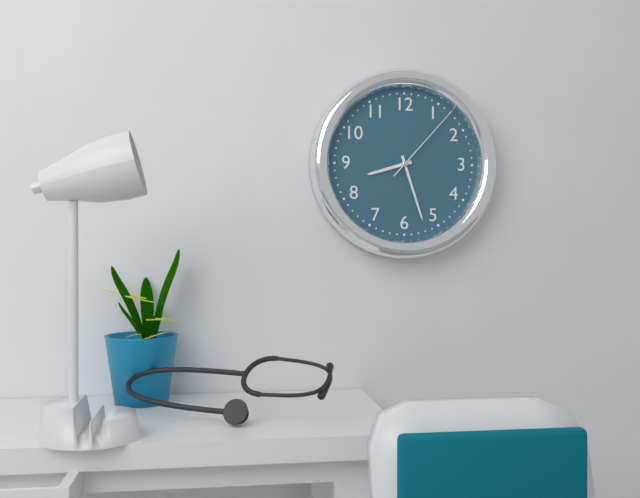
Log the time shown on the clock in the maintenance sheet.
8:27:07
